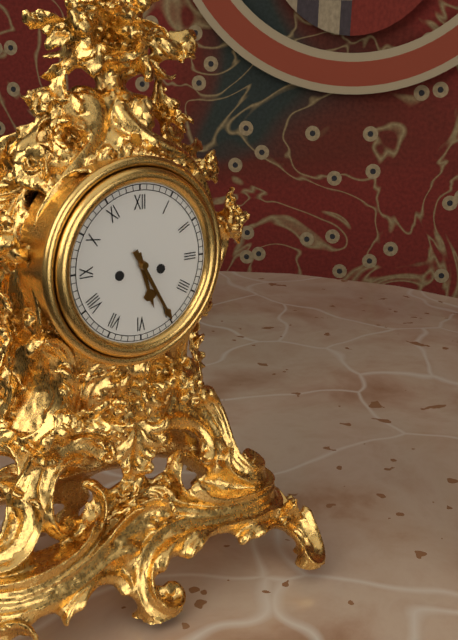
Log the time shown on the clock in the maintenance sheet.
5:25
